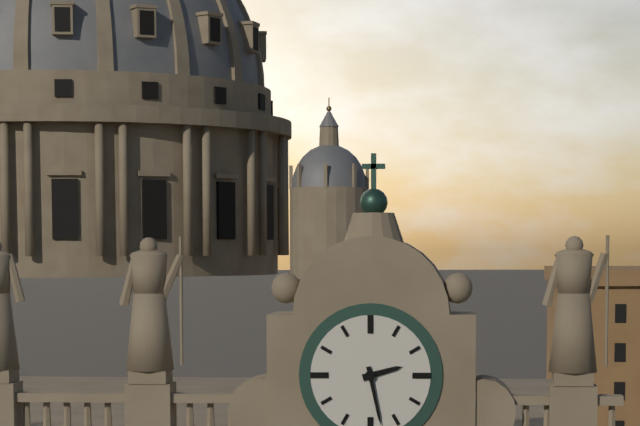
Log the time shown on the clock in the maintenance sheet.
2:28
